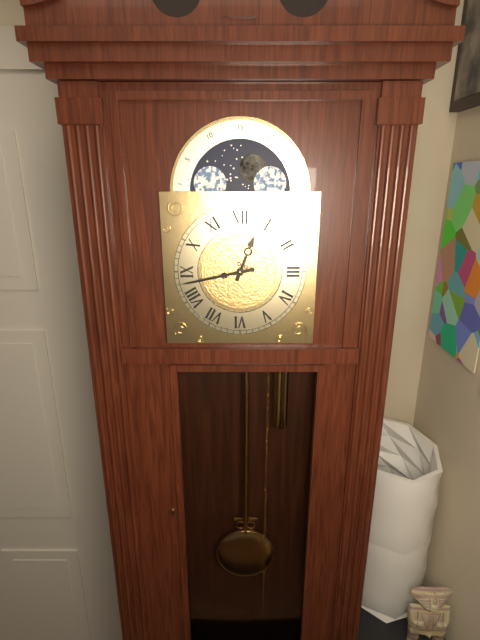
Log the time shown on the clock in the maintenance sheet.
12:43
